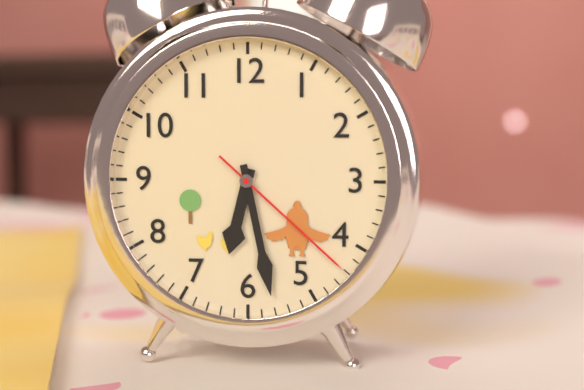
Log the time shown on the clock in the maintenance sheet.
6:28:22
